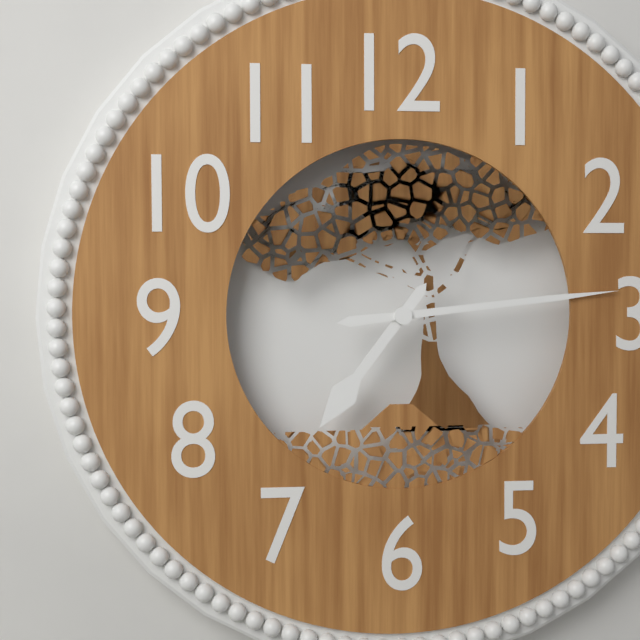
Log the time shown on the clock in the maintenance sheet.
7:14
